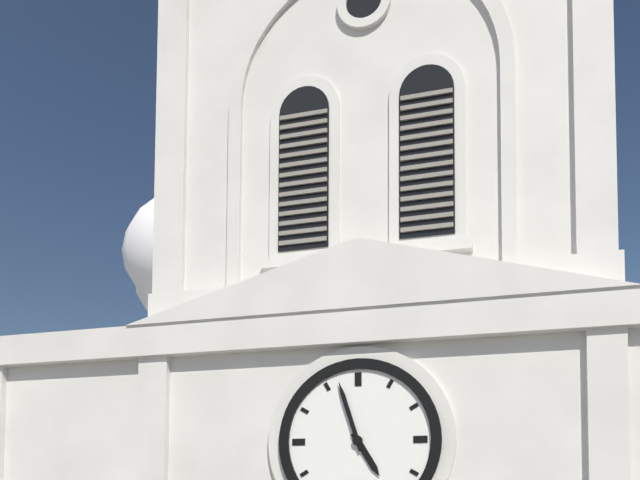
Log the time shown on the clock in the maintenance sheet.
4:57
